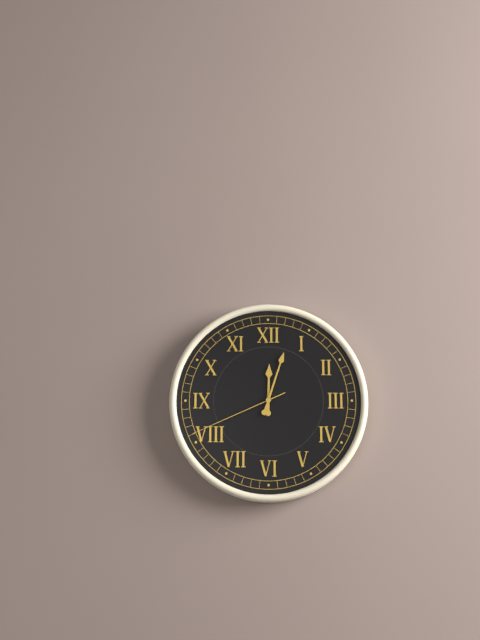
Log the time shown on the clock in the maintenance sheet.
12:03:41
